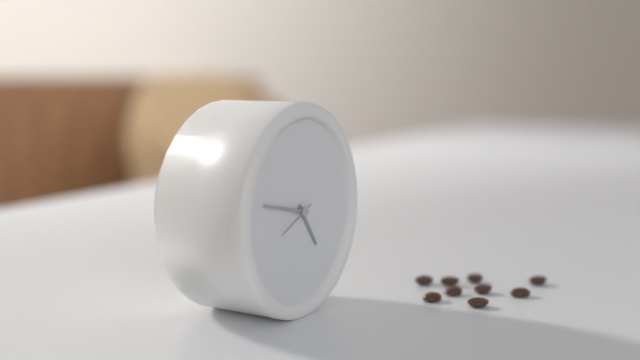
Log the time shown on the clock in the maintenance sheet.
4:47
